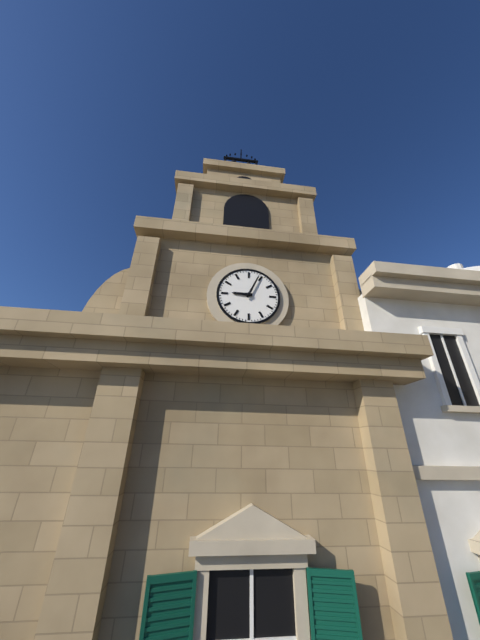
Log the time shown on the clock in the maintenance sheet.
9:04
